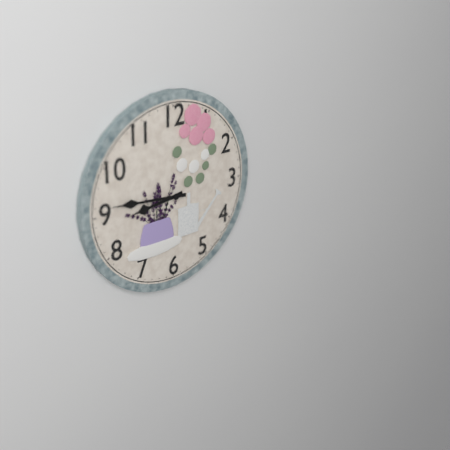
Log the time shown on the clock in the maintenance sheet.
8:46
